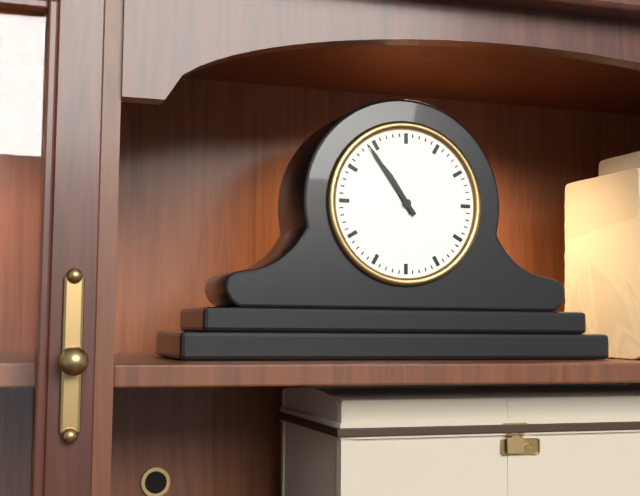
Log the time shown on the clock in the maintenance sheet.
10:54
